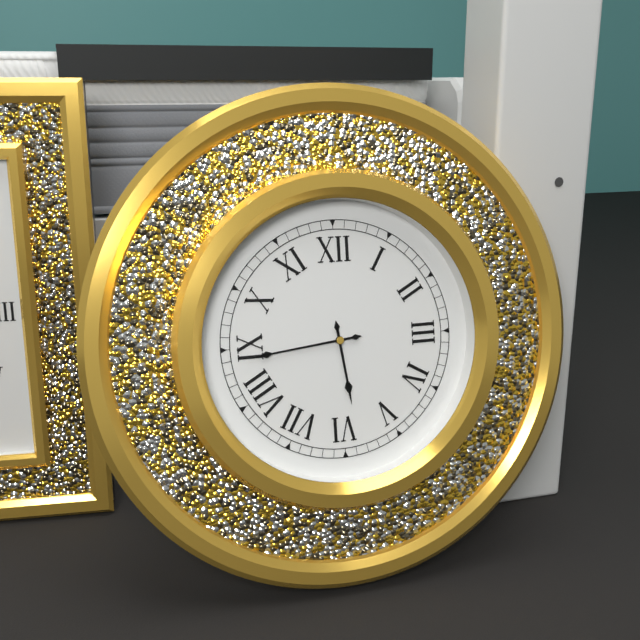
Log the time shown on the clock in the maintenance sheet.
5:44
